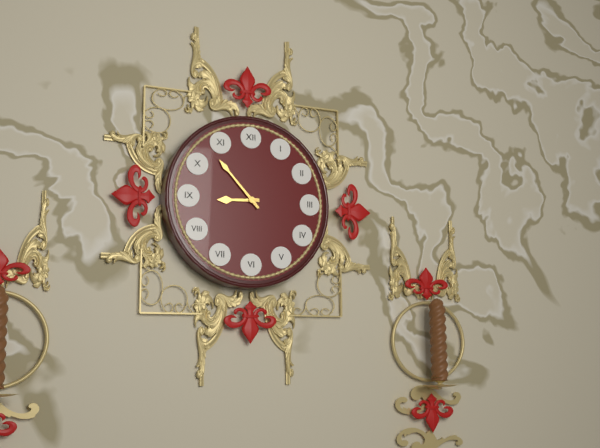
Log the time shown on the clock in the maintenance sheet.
8:53
